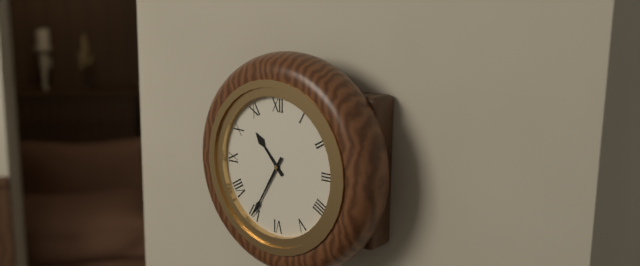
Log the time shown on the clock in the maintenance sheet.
10:35
